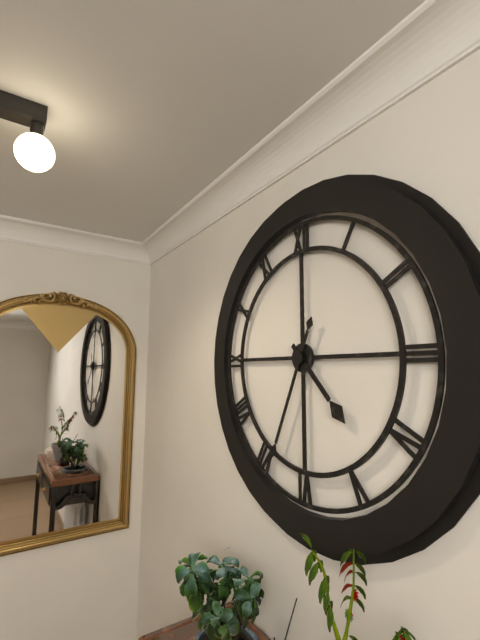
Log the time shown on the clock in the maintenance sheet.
4:34
